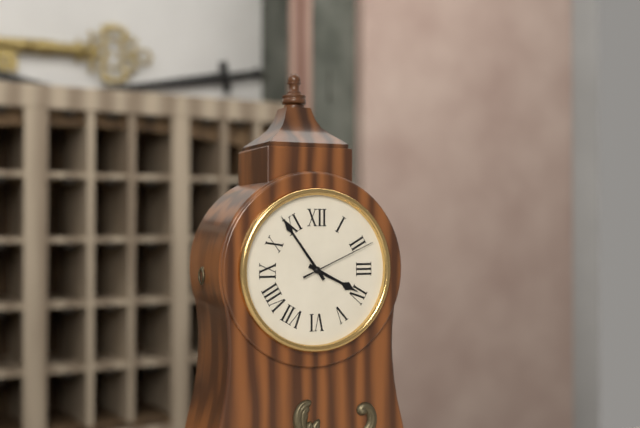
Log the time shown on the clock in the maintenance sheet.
3:54:11
